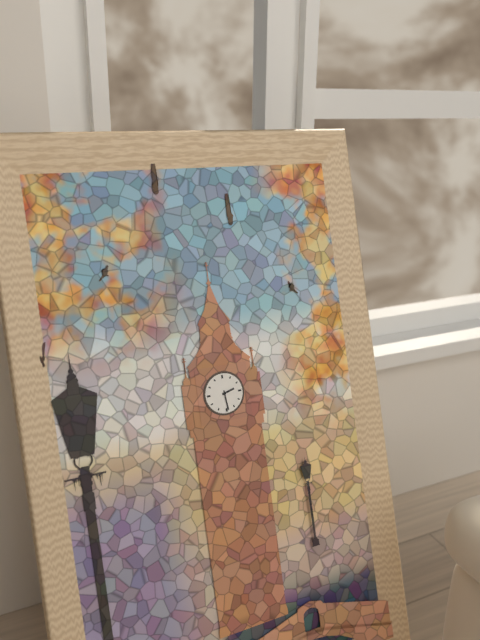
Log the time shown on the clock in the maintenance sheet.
2:29
